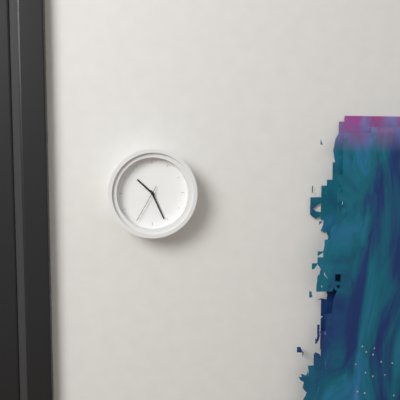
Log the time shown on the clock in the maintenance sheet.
10:26
